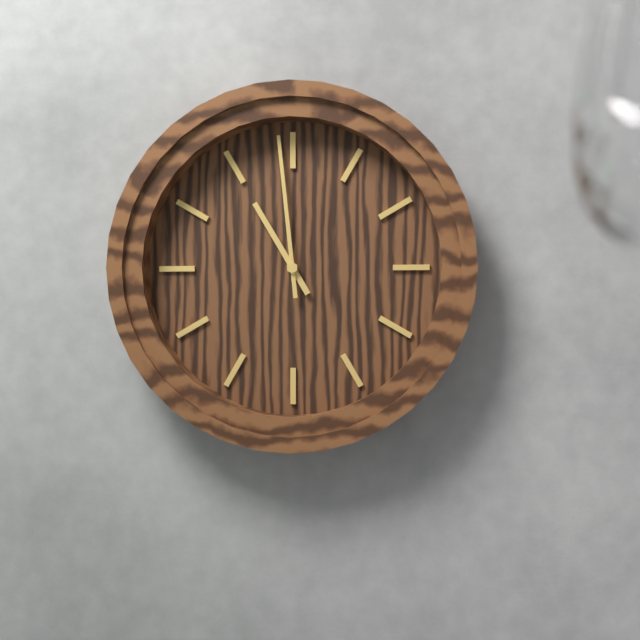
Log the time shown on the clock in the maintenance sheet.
10:59
